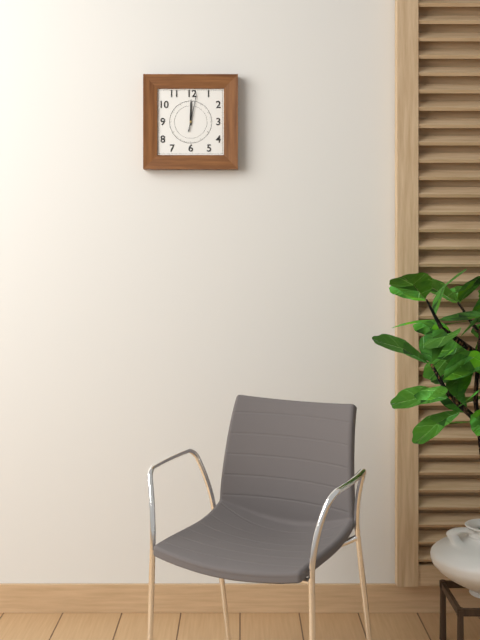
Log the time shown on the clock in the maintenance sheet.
12:02
